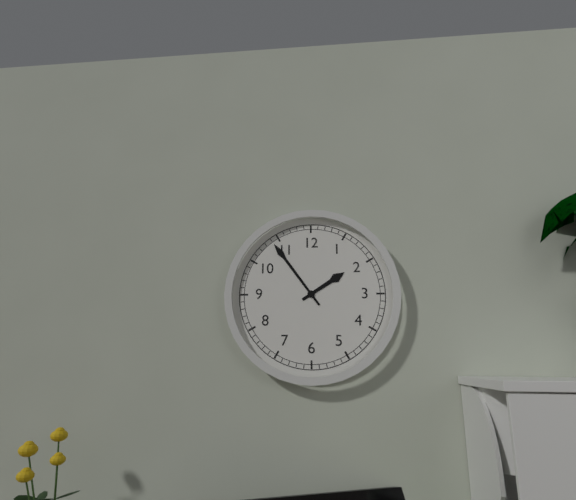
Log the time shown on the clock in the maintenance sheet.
1:54
